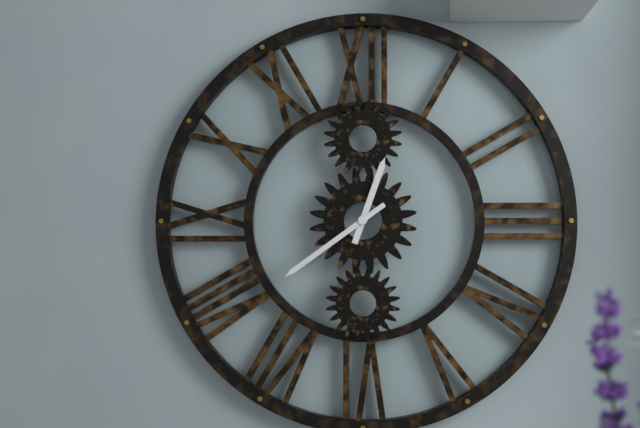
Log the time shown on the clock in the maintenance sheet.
12:39
